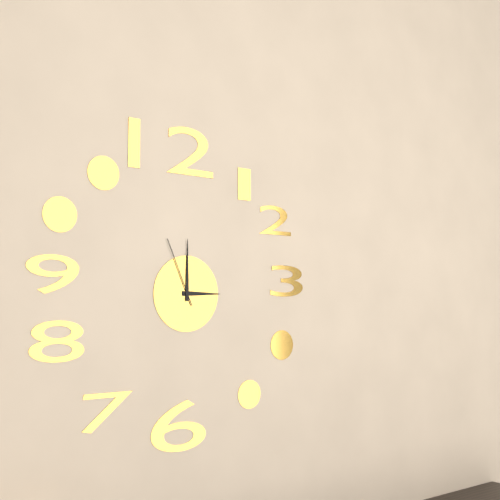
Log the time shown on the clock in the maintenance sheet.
3:00:56
